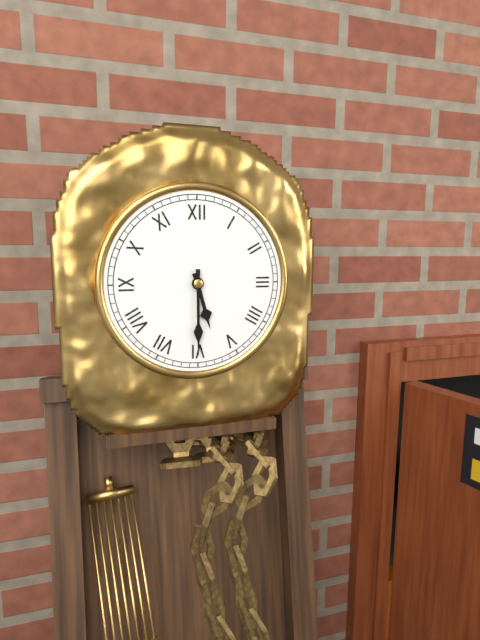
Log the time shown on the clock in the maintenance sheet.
5:30
